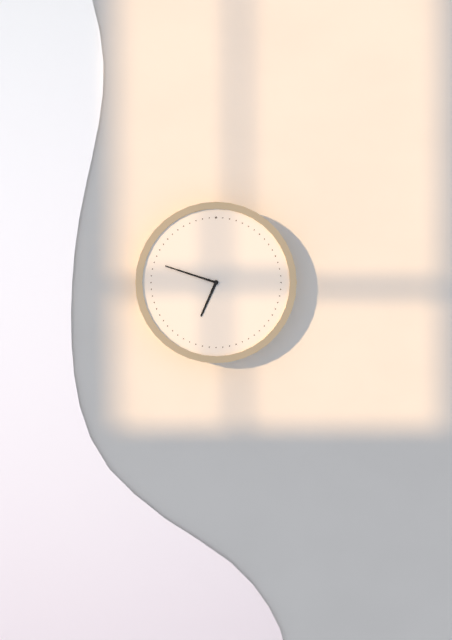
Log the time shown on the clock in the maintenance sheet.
6:48
